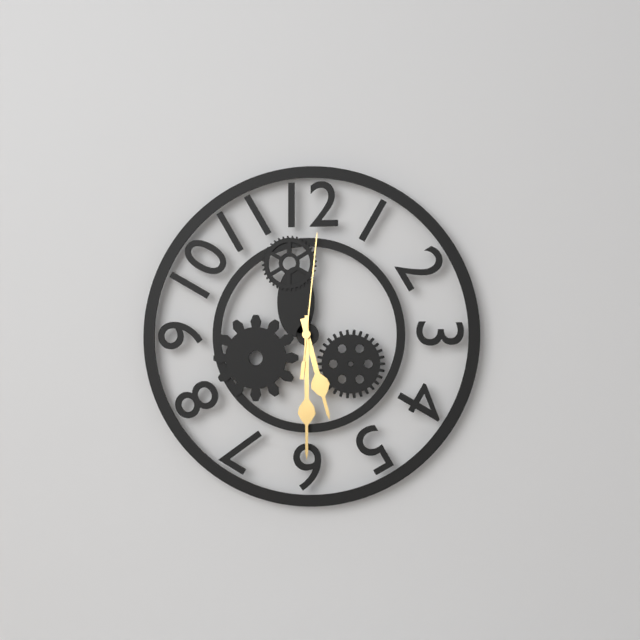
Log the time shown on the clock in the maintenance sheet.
5:30:01
